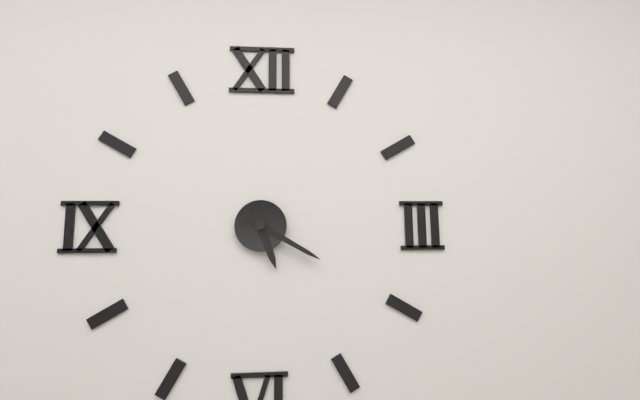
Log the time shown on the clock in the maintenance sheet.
5:20
